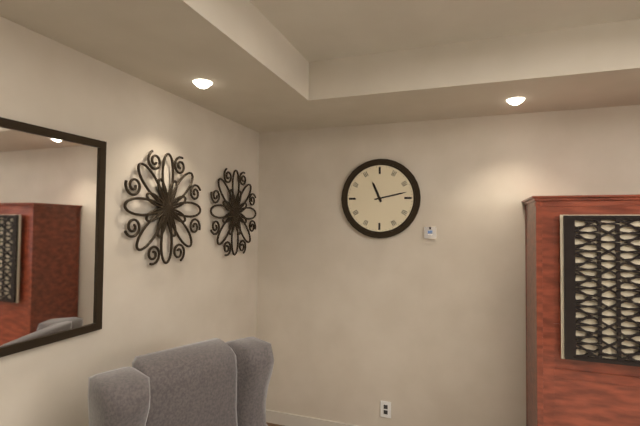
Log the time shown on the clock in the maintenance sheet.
11:13
